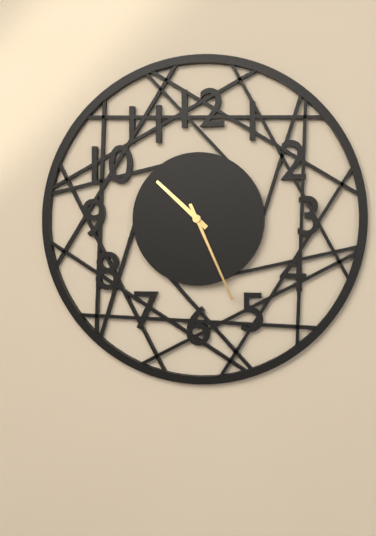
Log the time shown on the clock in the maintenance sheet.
10:26
